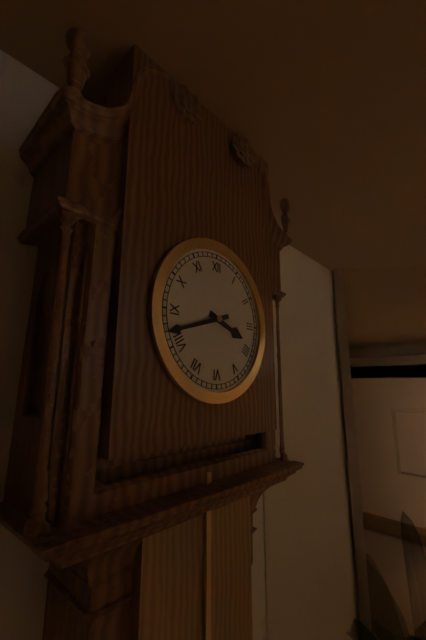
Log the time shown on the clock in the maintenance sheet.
3:42
